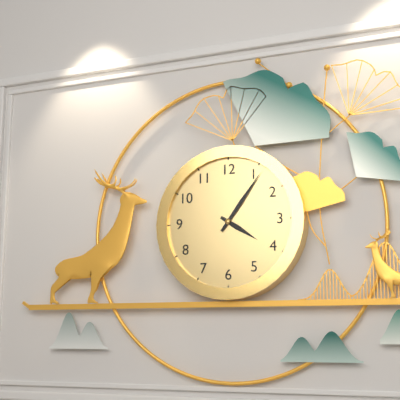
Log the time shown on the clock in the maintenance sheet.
4:06
